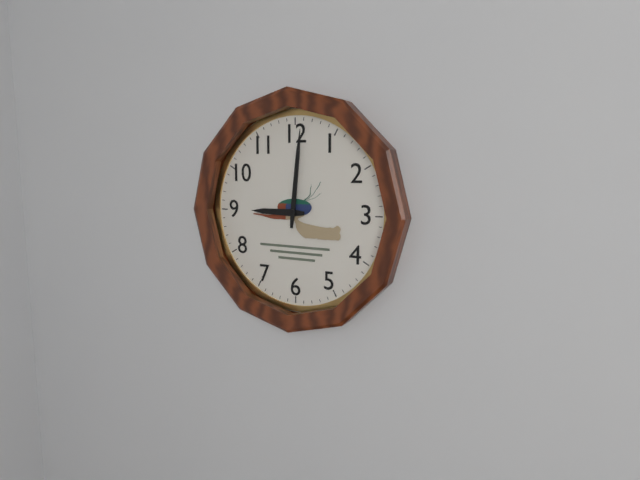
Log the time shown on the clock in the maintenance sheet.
9:01
